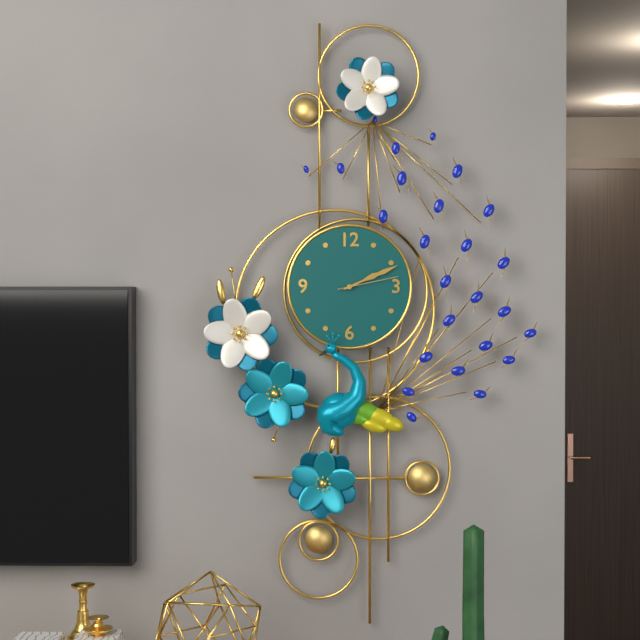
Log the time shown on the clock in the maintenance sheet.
2:11:13
